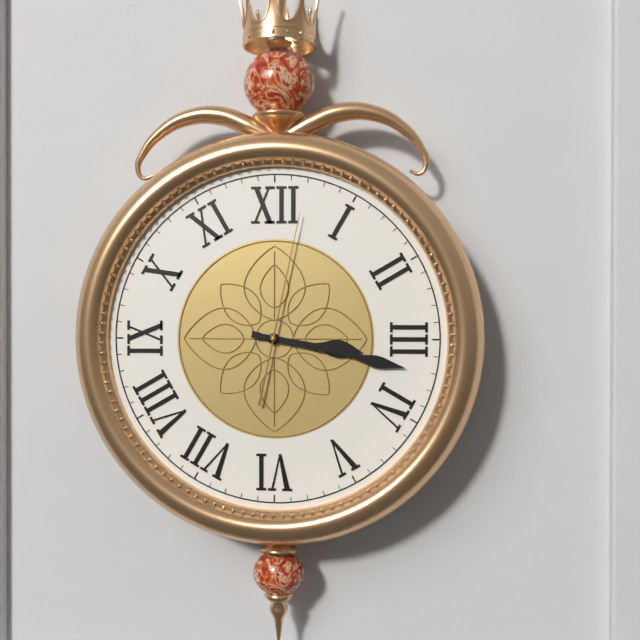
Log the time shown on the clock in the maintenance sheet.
3:17:02
